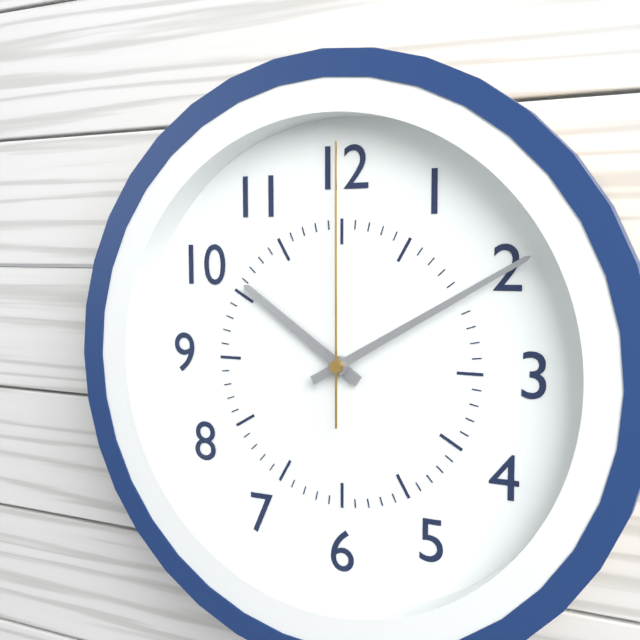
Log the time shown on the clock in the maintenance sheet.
10:10:00
